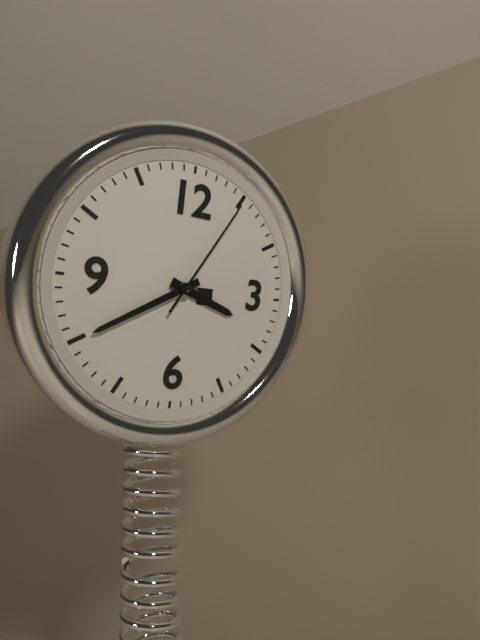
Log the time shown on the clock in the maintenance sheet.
3:40:05
